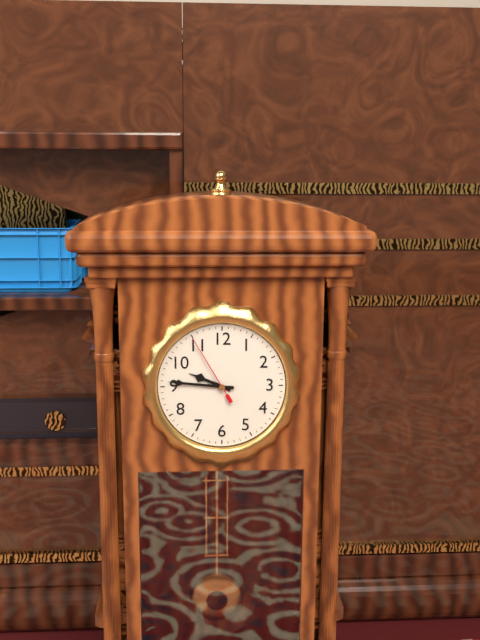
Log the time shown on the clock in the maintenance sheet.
9:46:55
